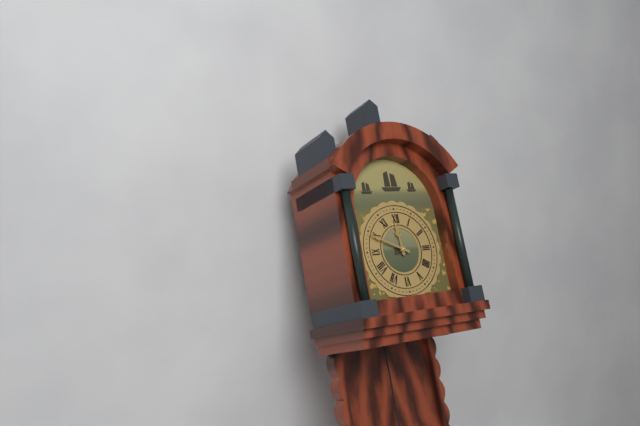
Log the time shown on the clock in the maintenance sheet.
11:49
